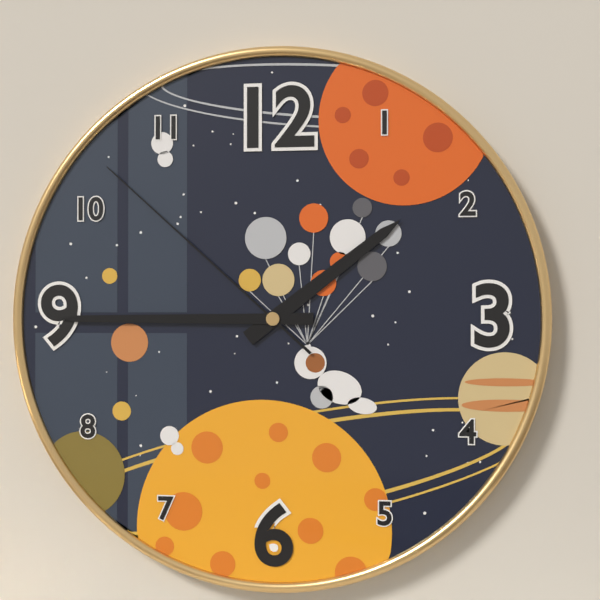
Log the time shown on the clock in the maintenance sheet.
1:45:52
